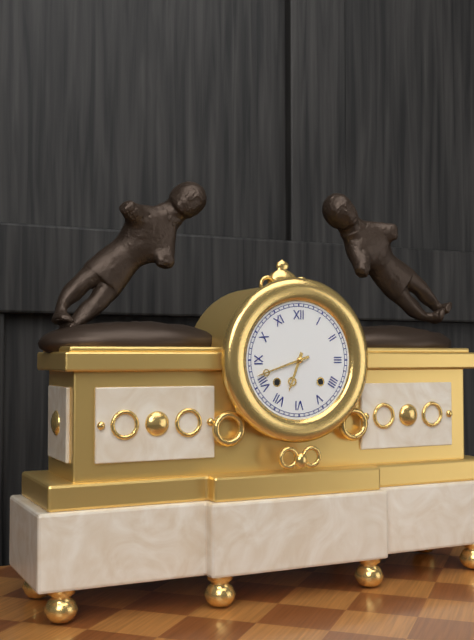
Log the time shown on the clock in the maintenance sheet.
6:42
